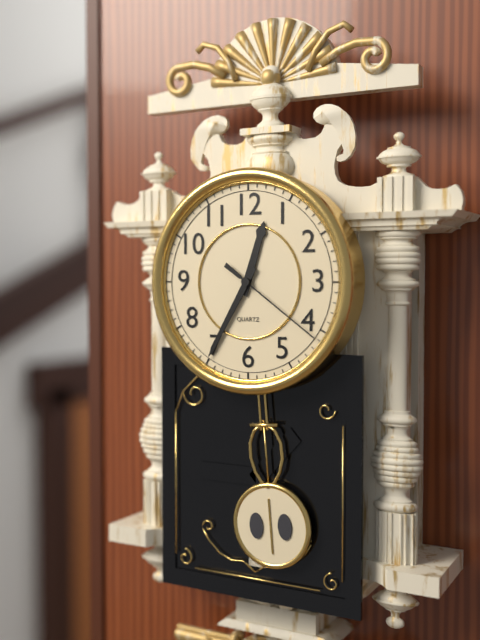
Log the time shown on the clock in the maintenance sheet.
12:35:21
